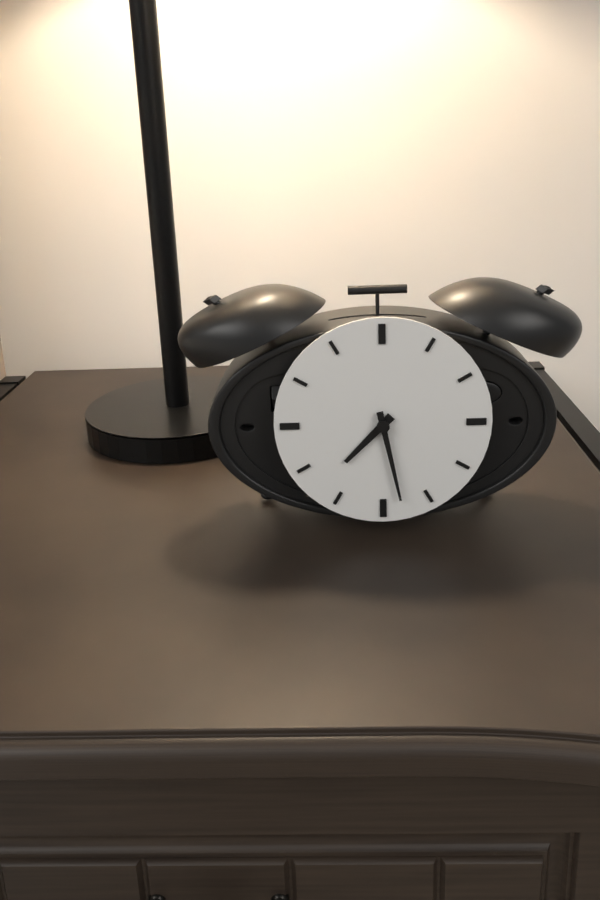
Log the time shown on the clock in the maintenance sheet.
7:28
